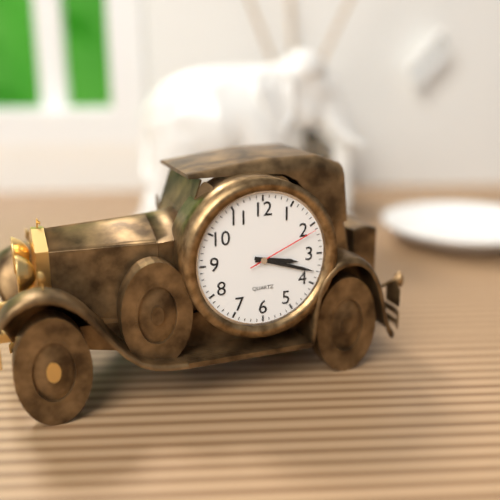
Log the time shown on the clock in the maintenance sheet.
3:18:11
